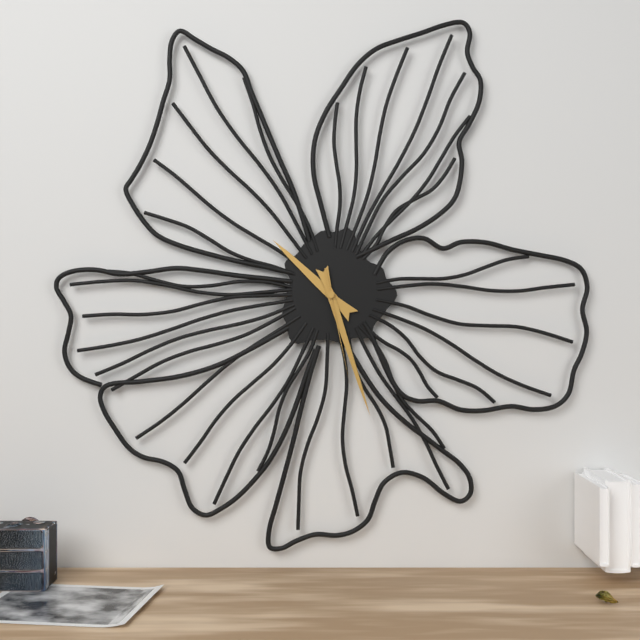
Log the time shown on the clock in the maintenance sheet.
10:27:28
